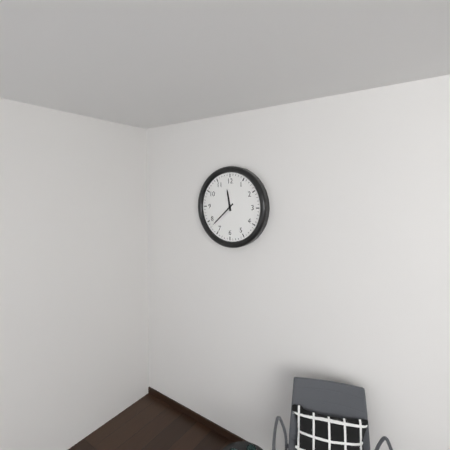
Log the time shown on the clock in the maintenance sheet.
11:38
